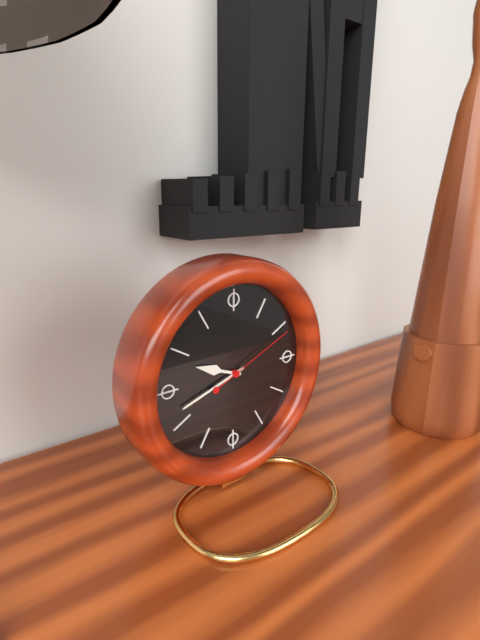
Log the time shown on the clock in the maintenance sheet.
9:42:11
